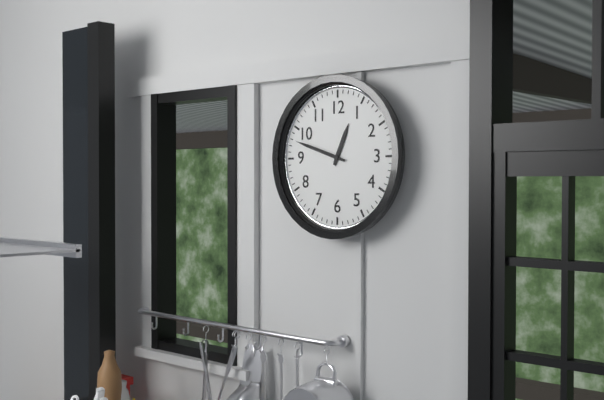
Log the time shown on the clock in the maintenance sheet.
12:48
